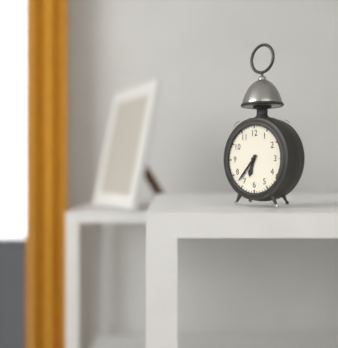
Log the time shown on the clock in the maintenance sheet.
6:37
